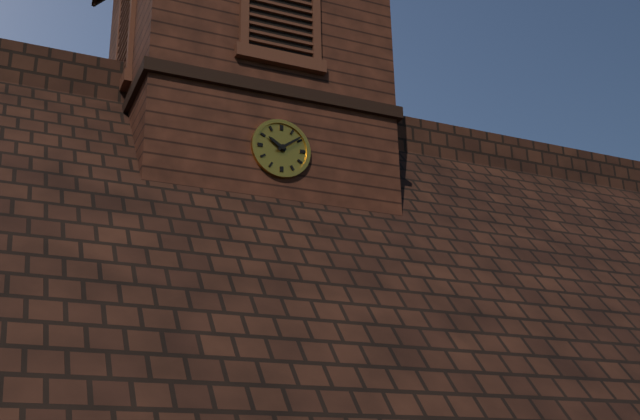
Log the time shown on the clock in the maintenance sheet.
10:09
